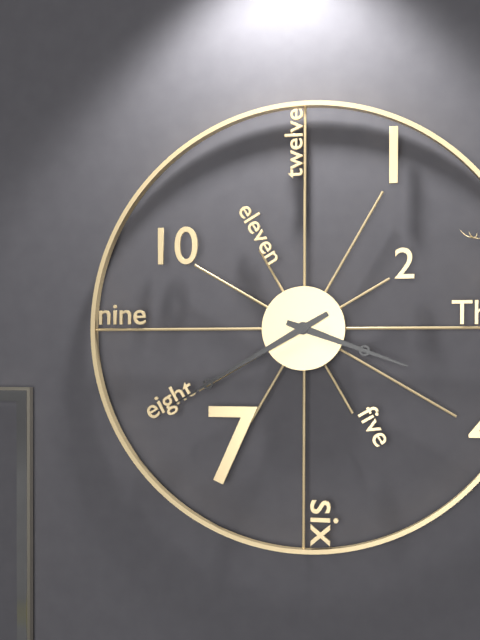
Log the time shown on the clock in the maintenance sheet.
3:40
